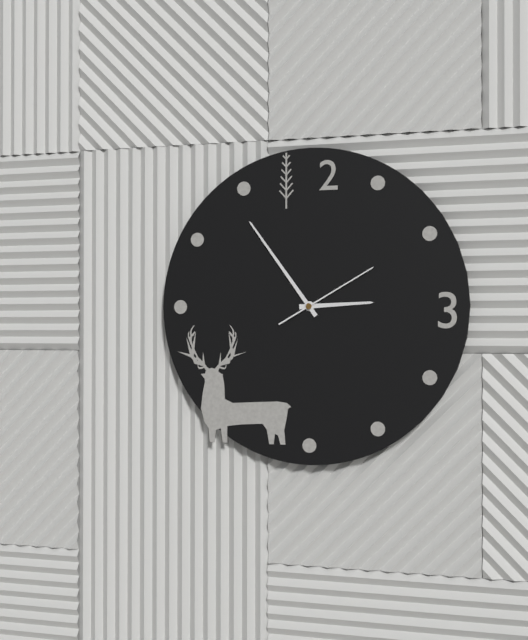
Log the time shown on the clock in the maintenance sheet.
2:54:10
